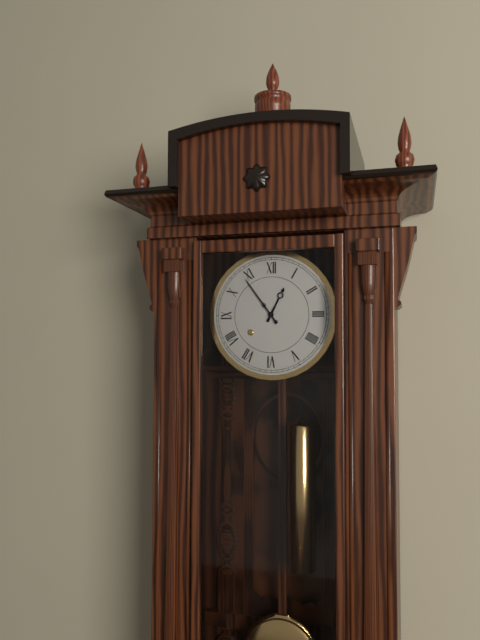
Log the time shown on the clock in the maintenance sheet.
12:54
